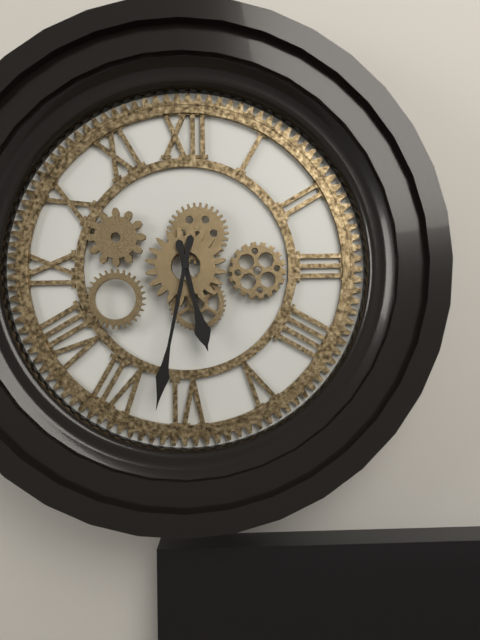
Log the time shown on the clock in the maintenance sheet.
5:32
